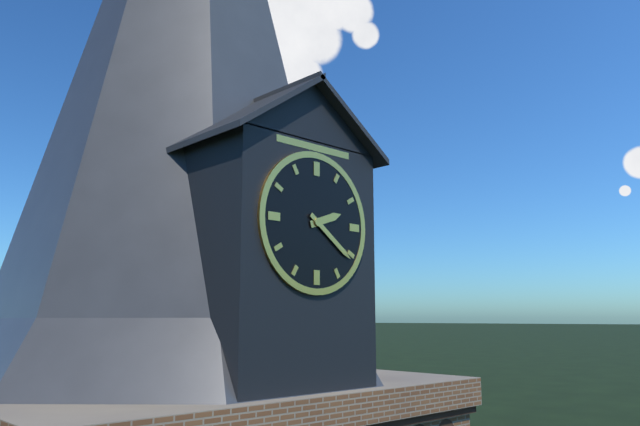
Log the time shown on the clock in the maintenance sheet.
2:21
